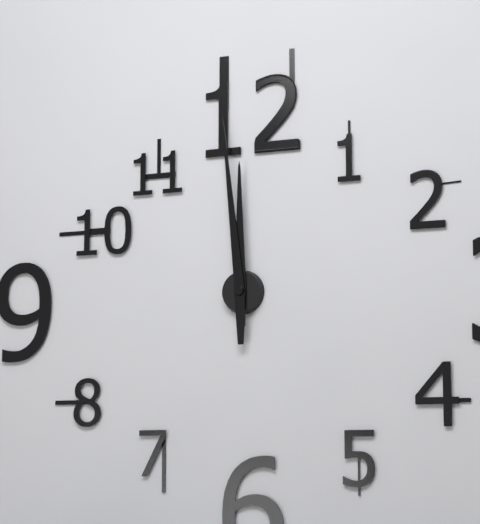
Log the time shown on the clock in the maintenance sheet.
11:59
